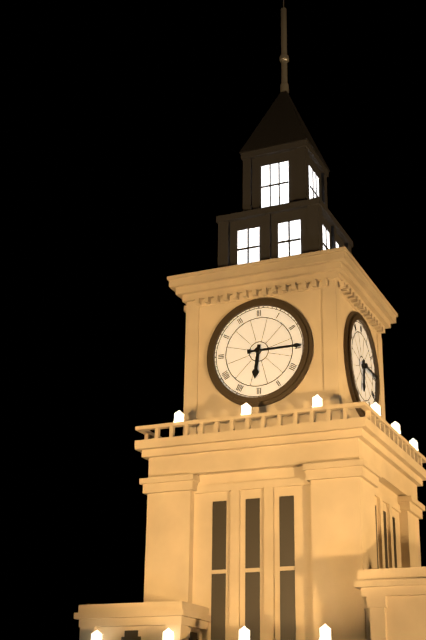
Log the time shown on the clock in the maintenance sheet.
6:15
